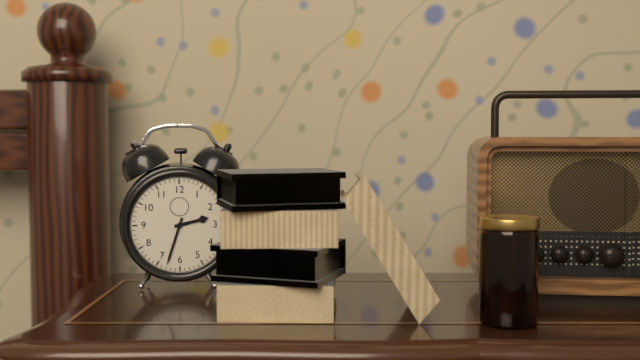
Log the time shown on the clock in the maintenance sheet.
2:33
